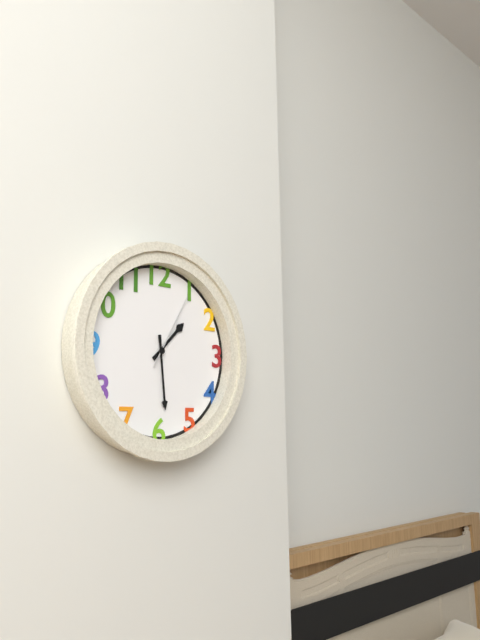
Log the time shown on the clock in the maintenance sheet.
1:29:05
